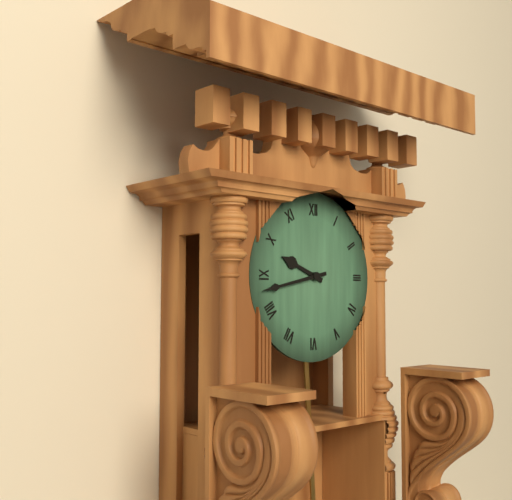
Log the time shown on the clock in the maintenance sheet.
9:43
